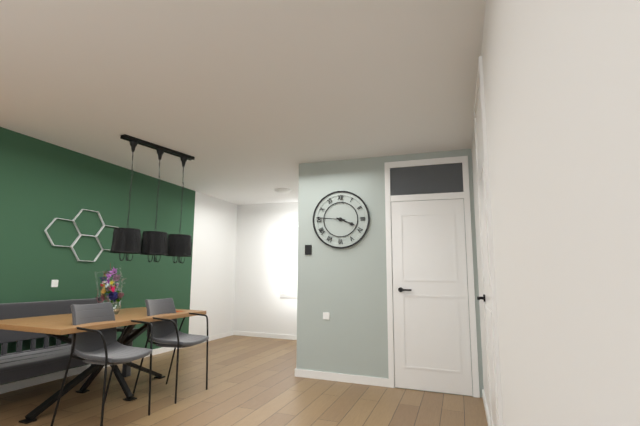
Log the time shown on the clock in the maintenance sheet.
3:46
